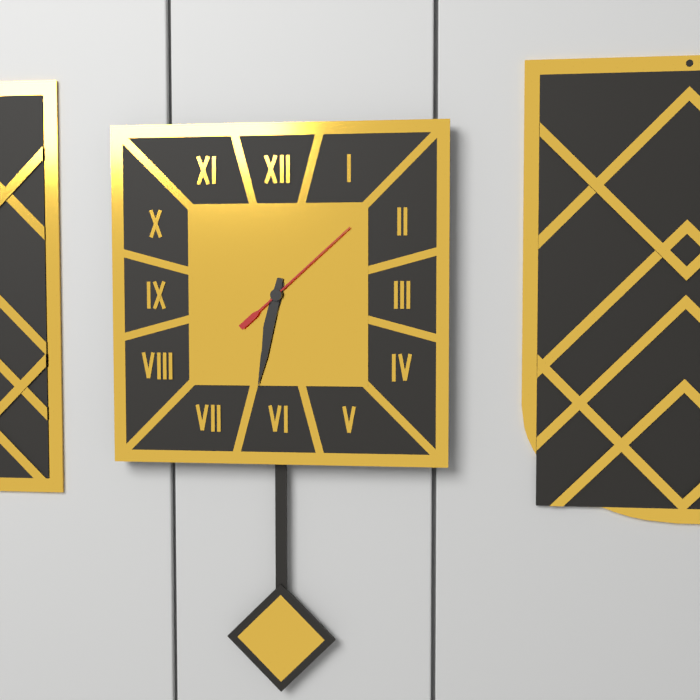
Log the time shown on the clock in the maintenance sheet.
6:32:08
